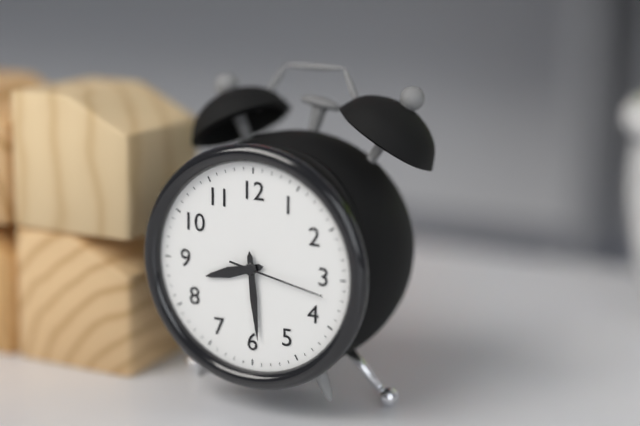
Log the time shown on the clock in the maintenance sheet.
8:29:17
